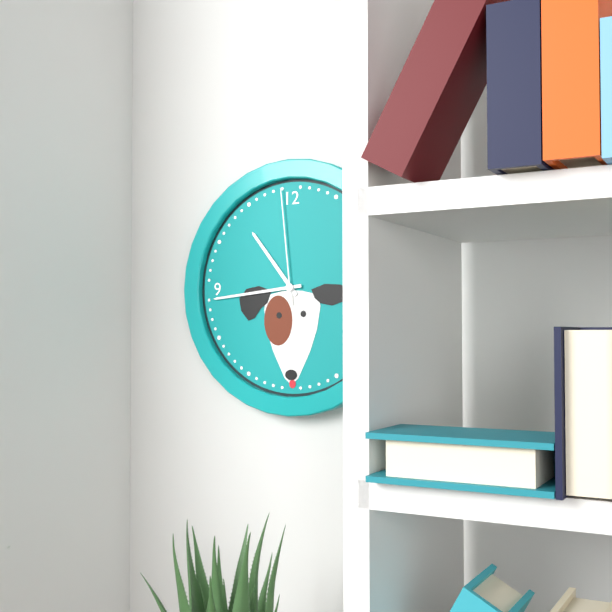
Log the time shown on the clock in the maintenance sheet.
10:44:59
